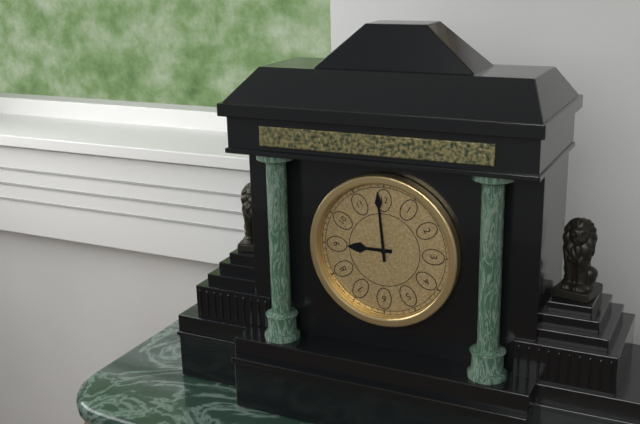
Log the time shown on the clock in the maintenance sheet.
8:59
